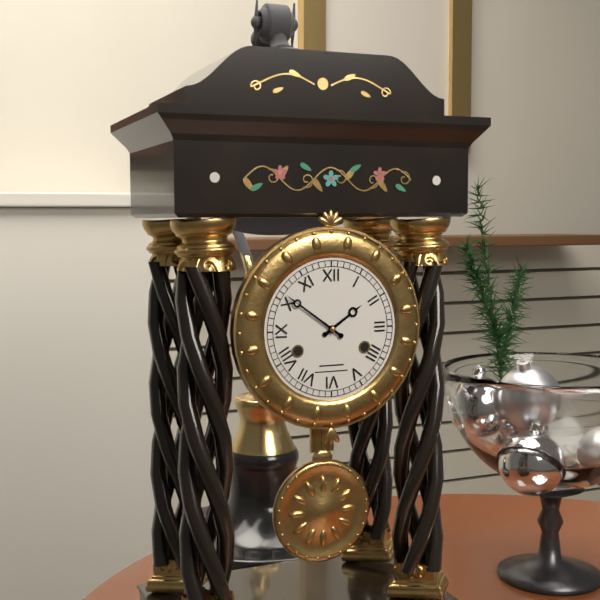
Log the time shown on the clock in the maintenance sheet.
1:51
